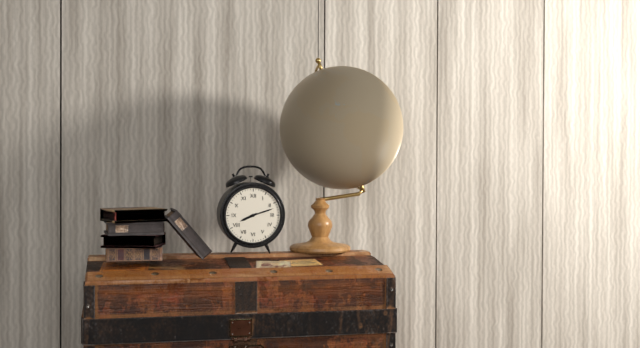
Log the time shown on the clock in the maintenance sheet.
8:12
